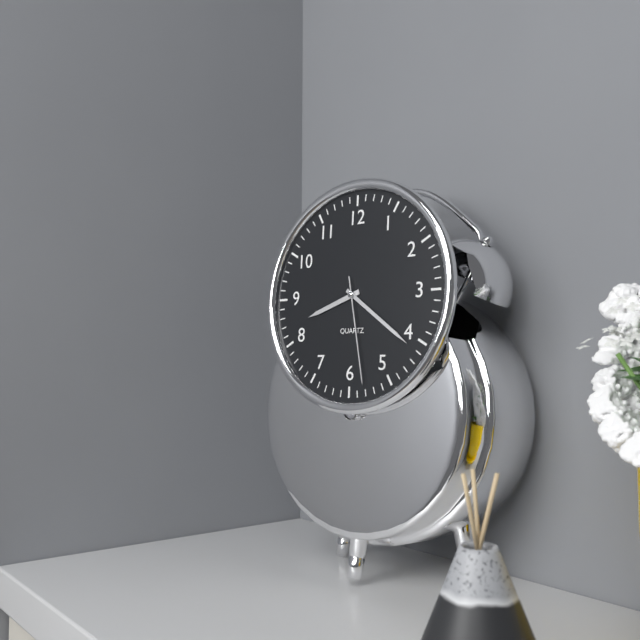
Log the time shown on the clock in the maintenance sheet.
8:21:28
